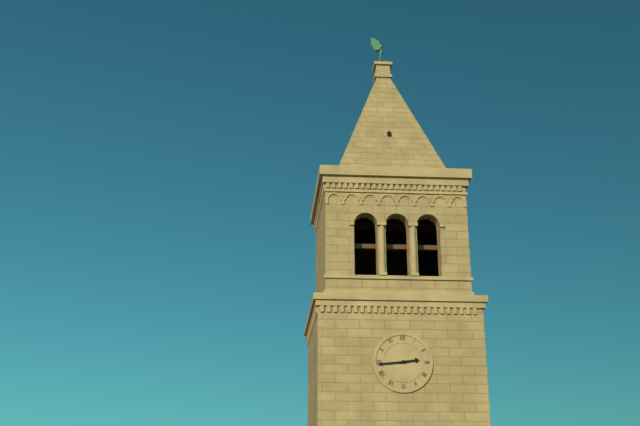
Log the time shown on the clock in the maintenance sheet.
2:44
